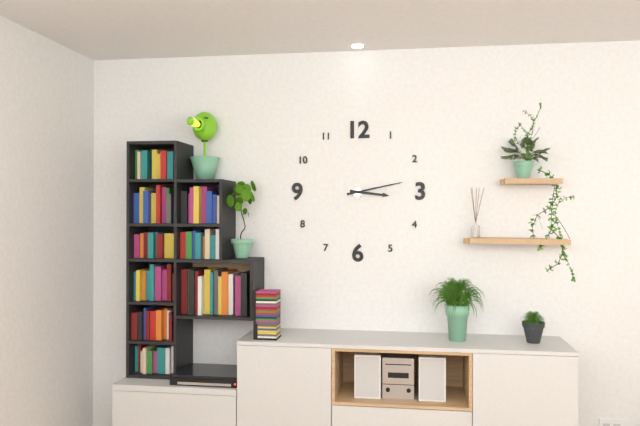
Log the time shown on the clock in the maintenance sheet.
3:13
